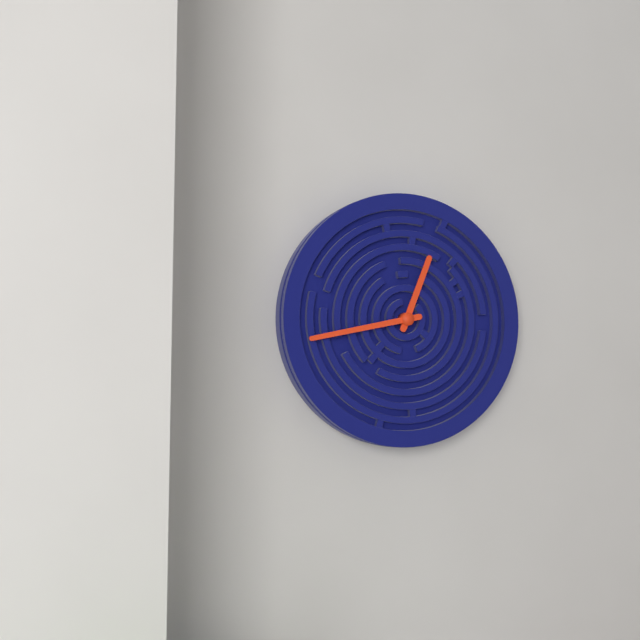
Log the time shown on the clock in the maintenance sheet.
12:43
